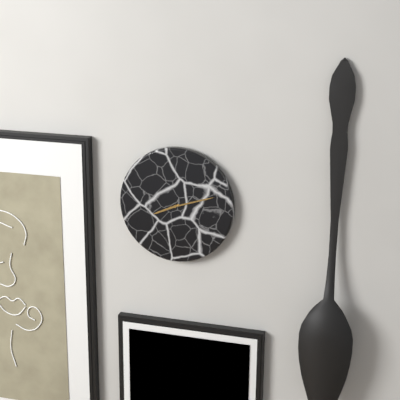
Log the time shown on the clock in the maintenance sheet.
8:12
